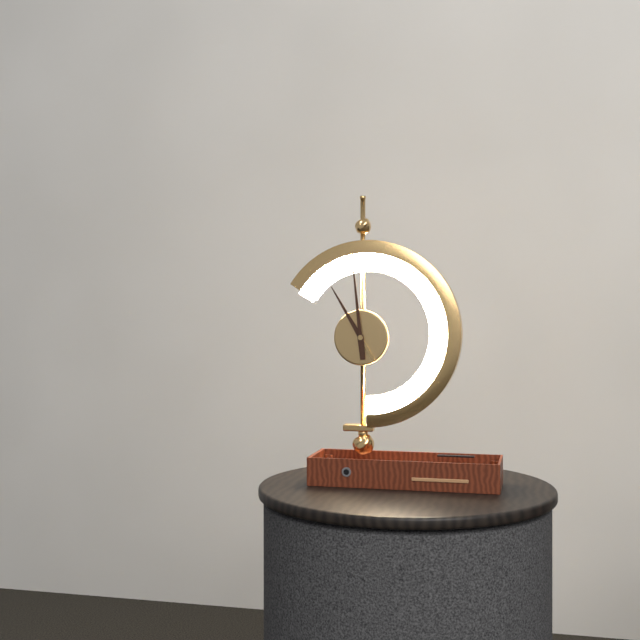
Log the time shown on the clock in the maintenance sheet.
10:59
